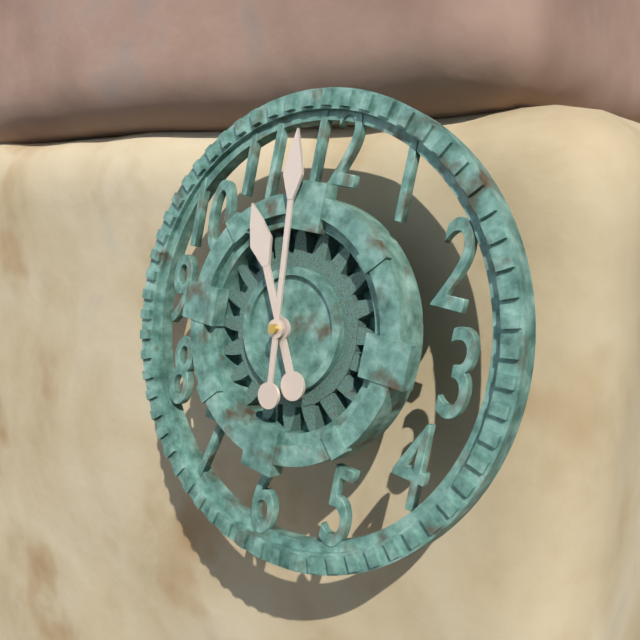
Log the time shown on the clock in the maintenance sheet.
10:59
